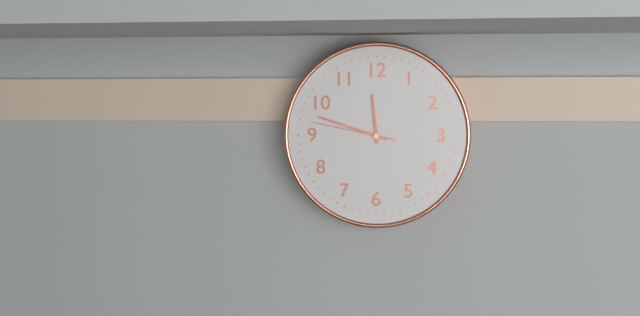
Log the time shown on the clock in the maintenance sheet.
11:48:47
